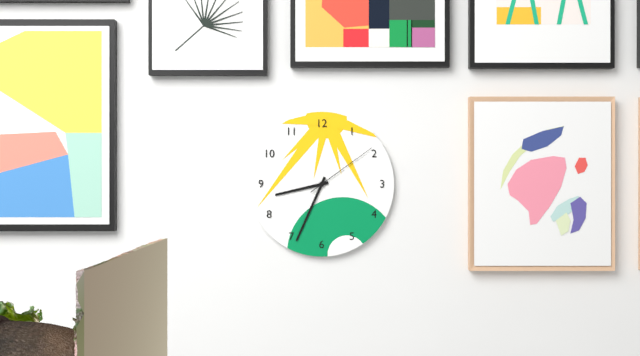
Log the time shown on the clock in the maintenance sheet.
8:34:09
